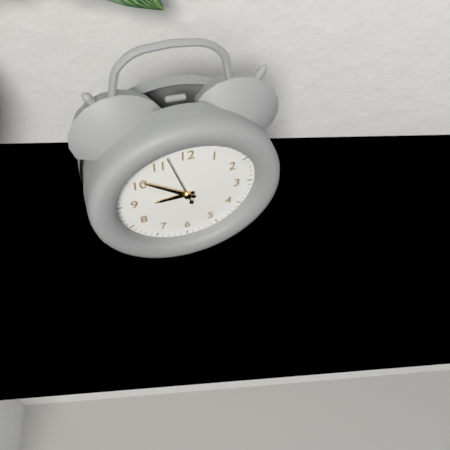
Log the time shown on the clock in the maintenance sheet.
8:51:57
